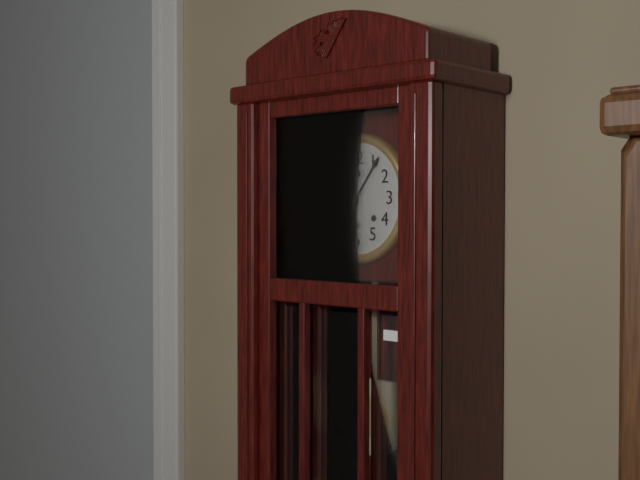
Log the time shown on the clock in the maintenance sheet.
12:06
